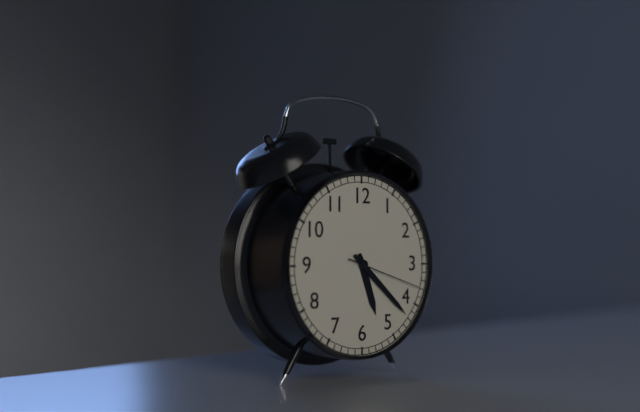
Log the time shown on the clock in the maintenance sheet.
5:22:18
